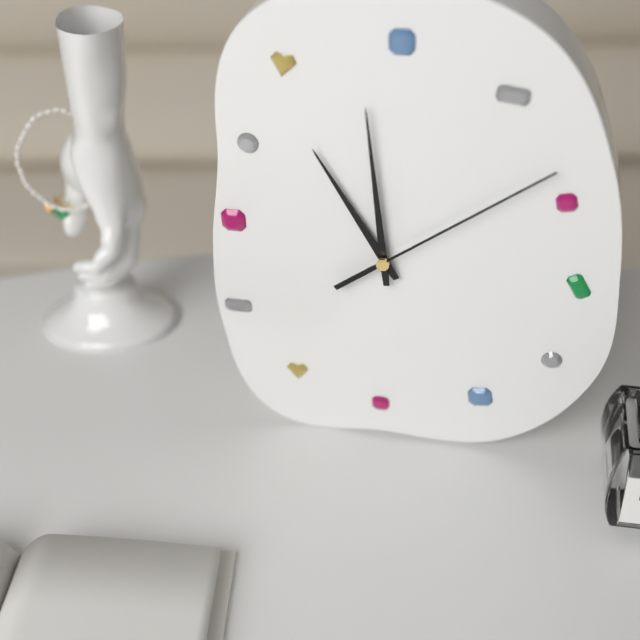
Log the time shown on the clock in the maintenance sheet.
10:59:09
